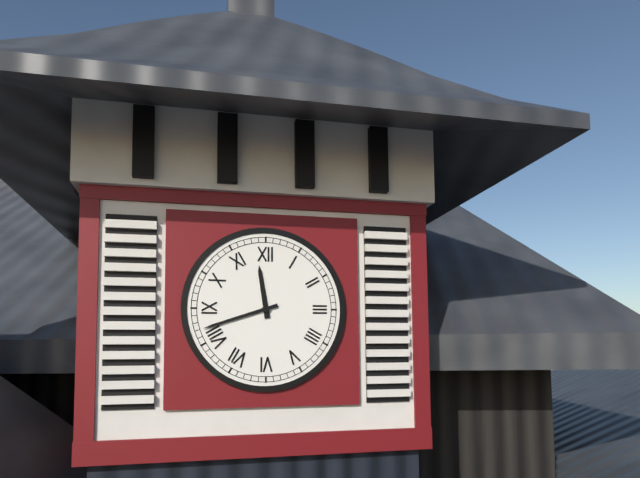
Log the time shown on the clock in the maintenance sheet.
11:42
